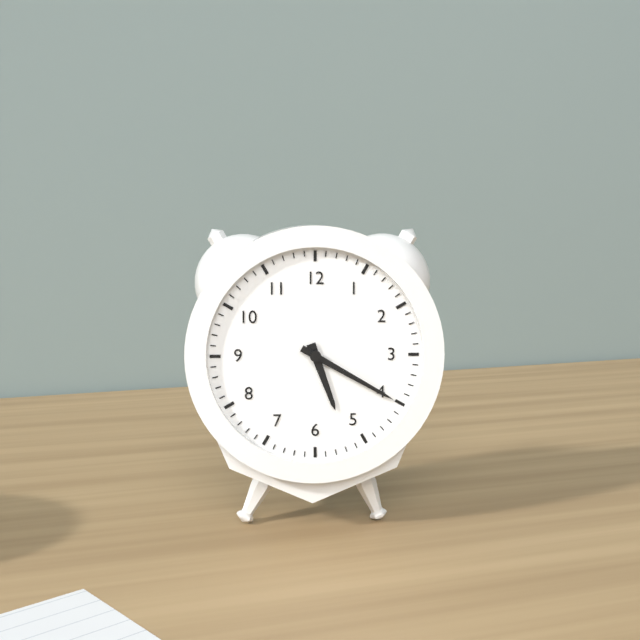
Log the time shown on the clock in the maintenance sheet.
5:20
